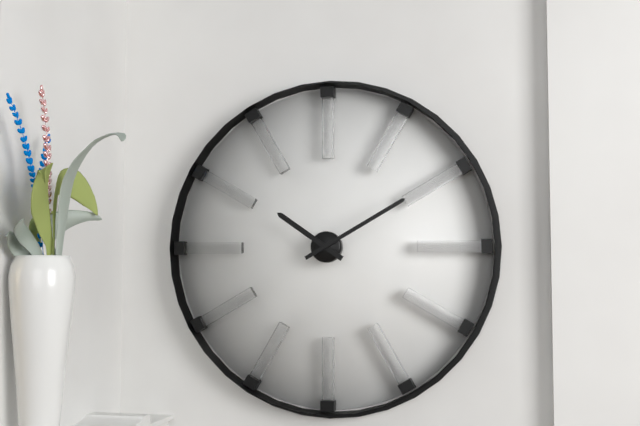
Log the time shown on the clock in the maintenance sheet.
10:10
